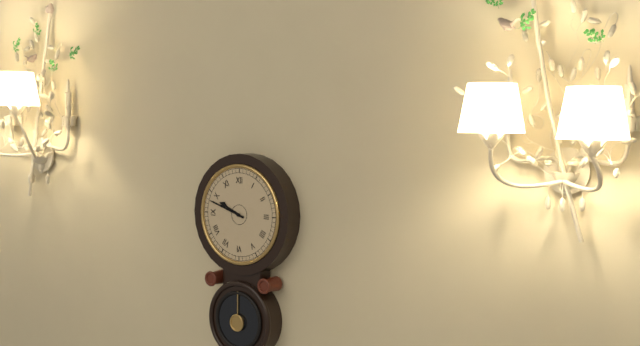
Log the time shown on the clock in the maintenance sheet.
9:48
